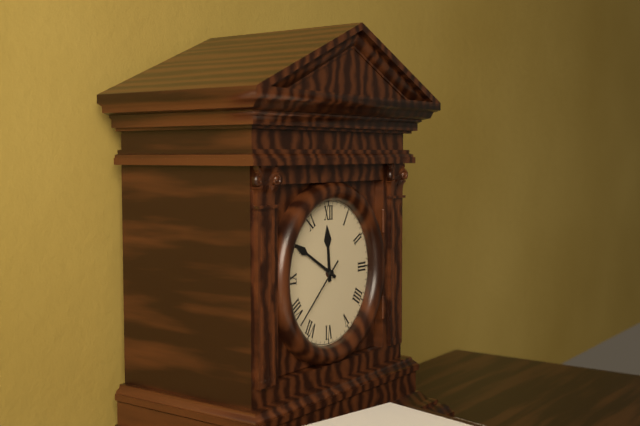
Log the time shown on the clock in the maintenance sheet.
11:50:38
